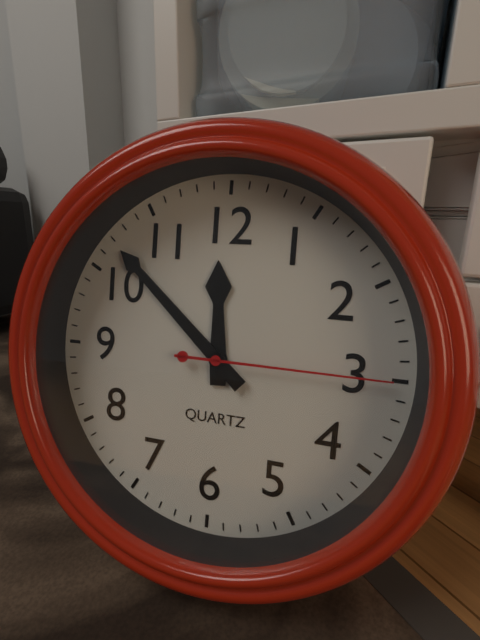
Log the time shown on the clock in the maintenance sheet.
11:52:15
